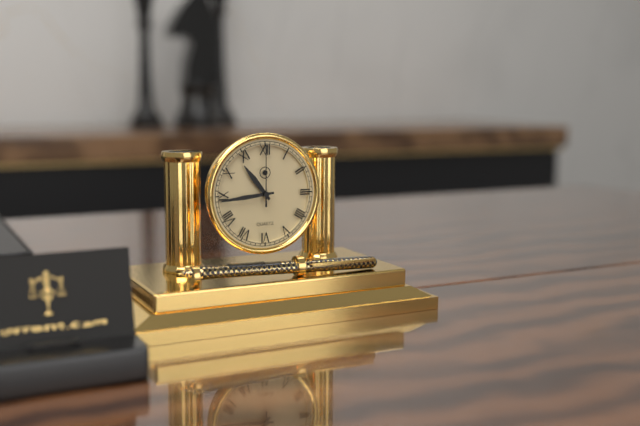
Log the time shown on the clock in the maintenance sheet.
10:44:00
